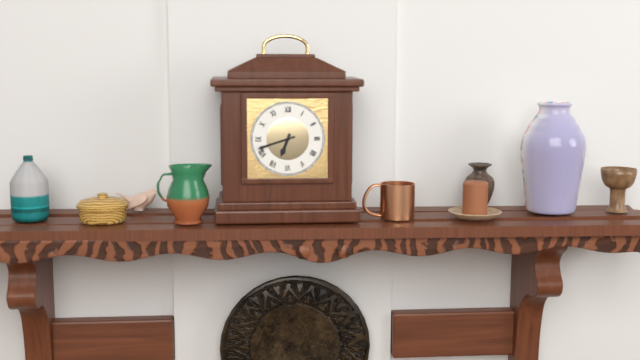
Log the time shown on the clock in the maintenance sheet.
6:42
